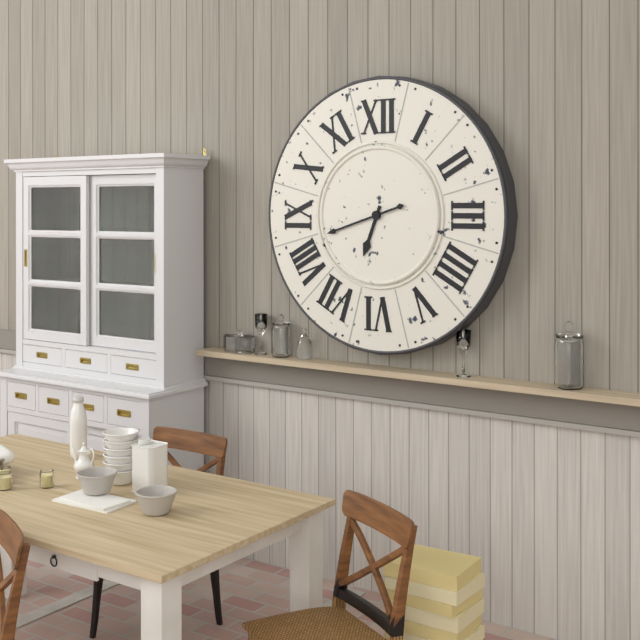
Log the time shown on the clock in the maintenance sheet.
6:42
